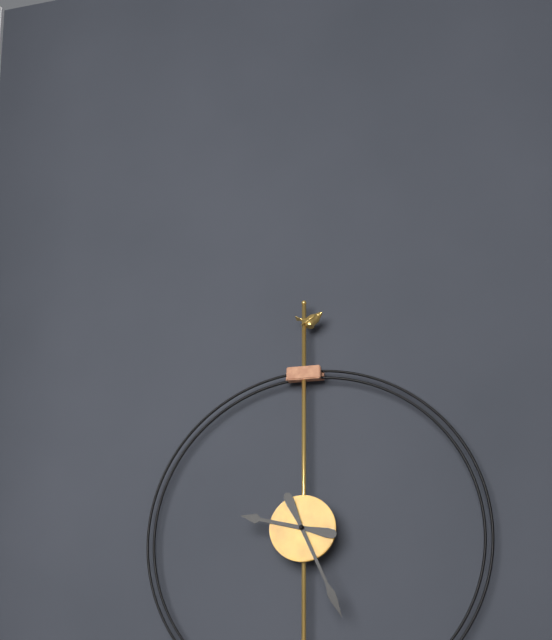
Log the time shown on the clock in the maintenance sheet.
9:26
